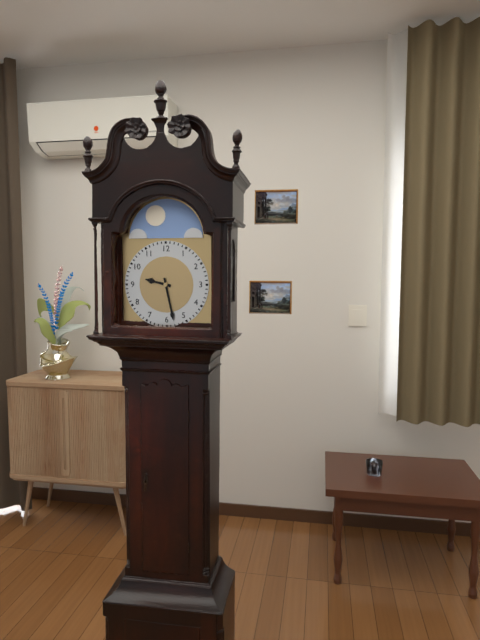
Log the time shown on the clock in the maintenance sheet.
9:28
